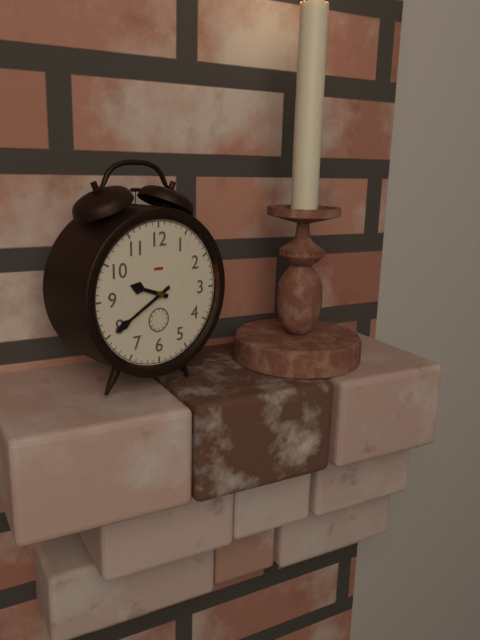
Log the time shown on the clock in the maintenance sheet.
9:40
